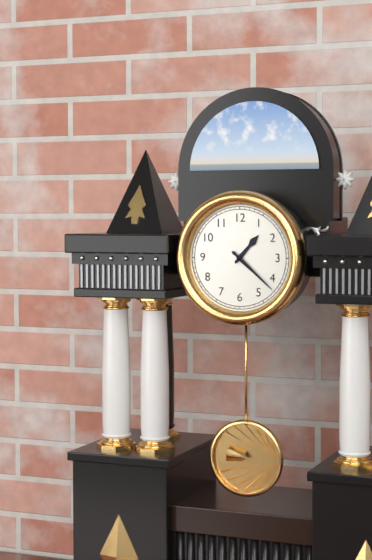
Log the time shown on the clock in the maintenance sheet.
1:22
